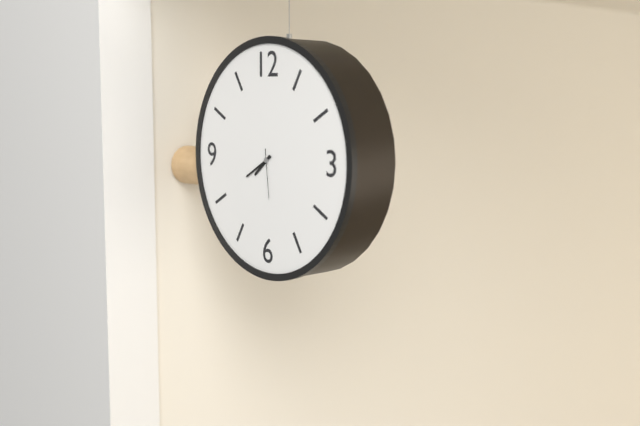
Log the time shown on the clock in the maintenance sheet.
7:40:29
